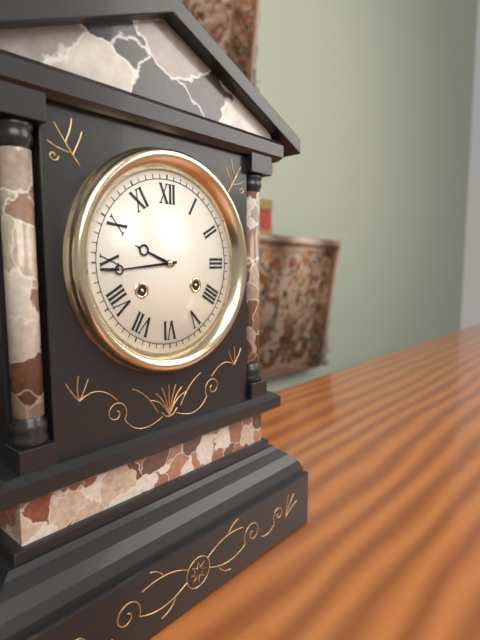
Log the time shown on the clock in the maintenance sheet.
9:44
